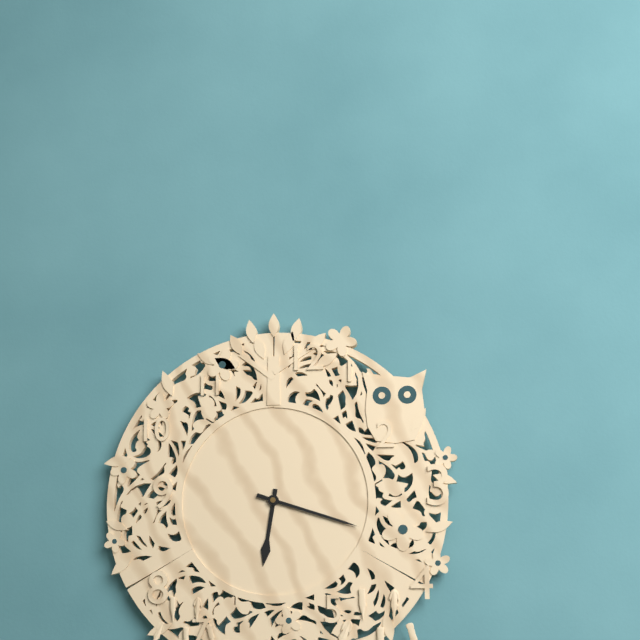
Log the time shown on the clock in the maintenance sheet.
6:18
